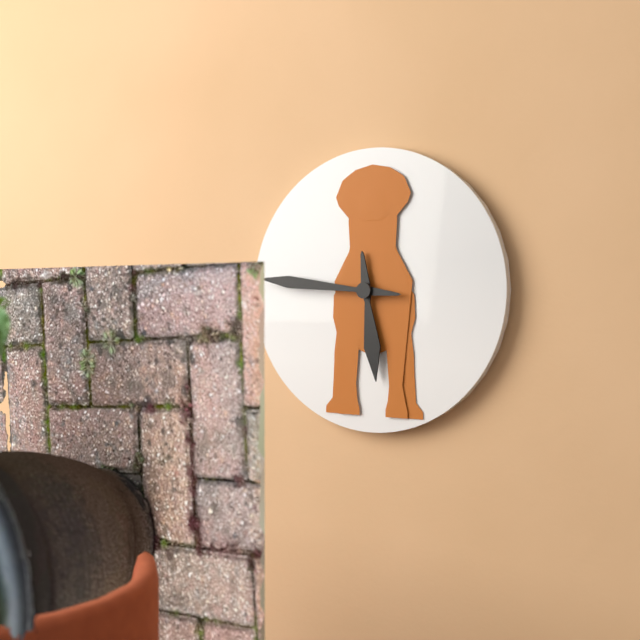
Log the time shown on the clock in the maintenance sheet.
5:46
